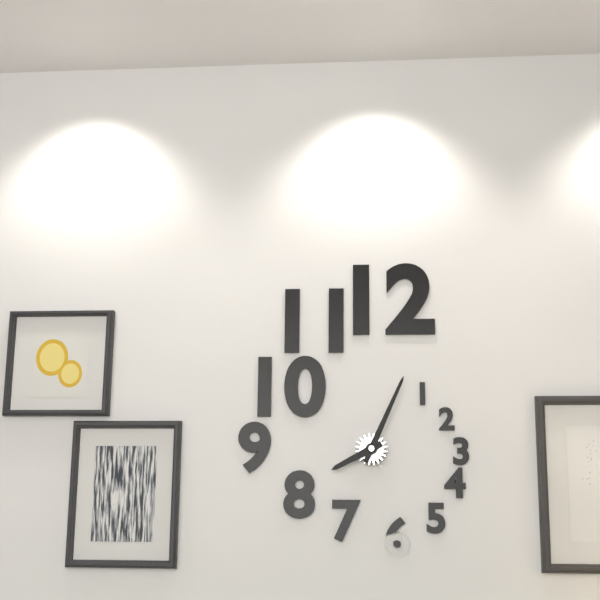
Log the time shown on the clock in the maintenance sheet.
8:04
